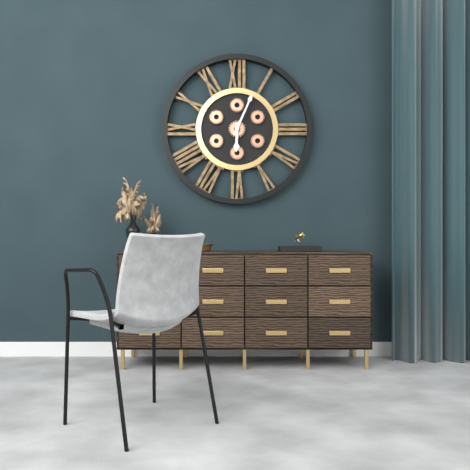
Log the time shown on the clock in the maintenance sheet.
6:04
